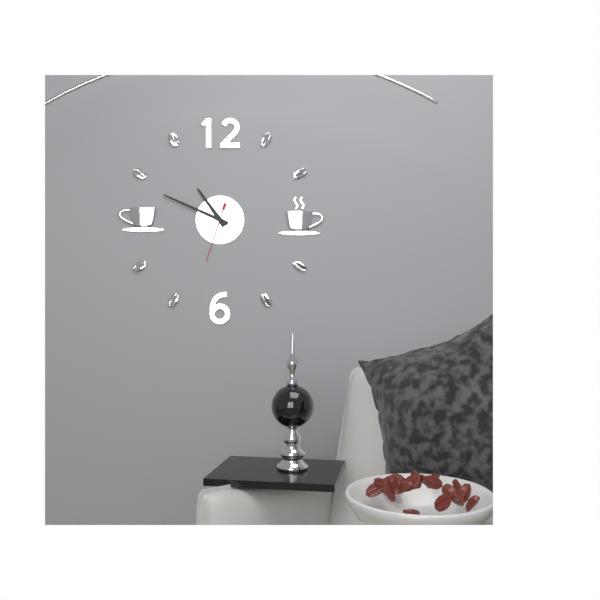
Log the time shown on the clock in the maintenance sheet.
10:49:33
